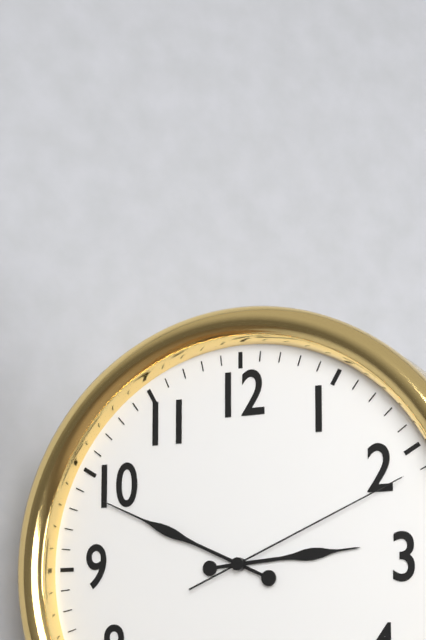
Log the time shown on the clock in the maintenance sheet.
2:49:11
